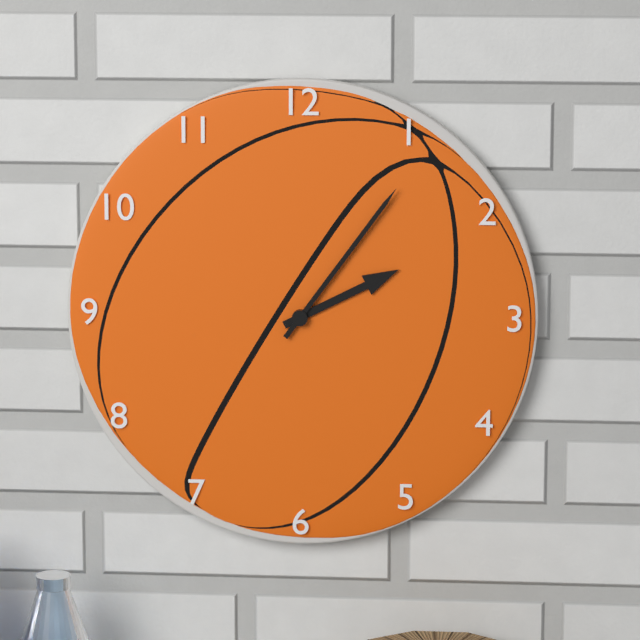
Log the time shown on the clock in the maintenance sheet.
2:06
